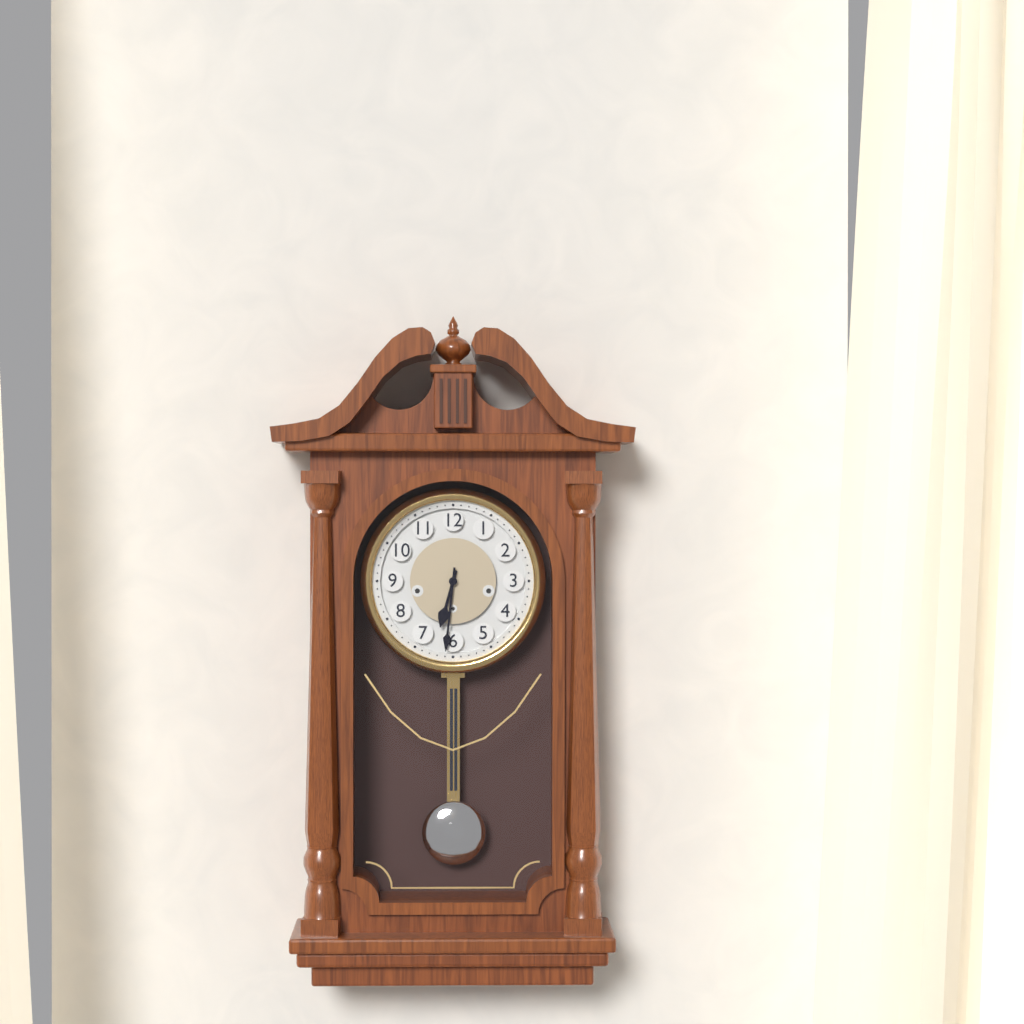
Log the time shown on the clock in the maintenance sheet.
6:31
